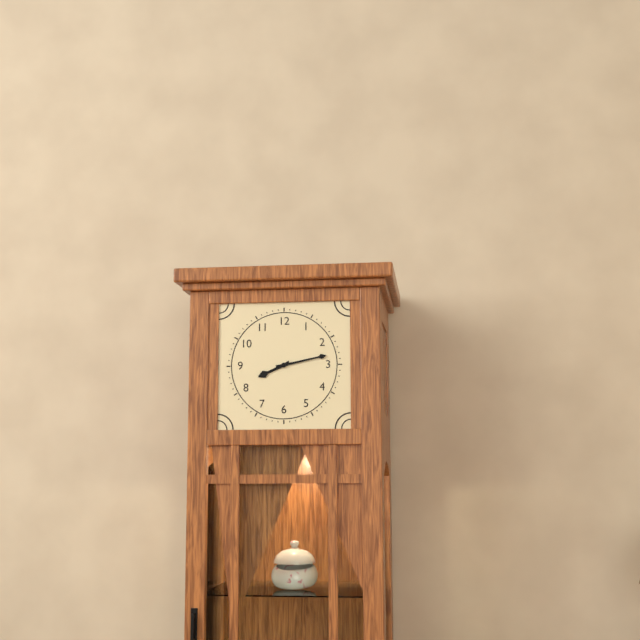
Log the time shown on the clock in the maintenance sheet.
8:13
